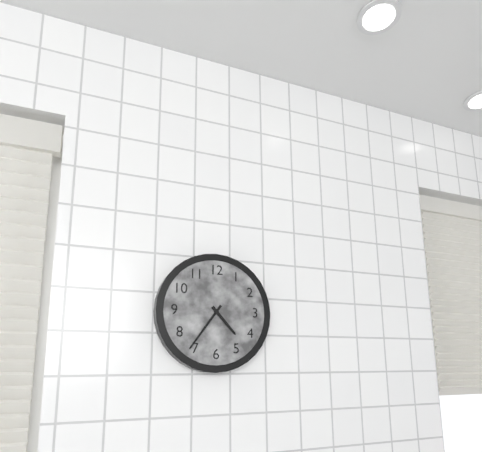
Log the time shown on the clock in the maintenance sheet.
4:36
